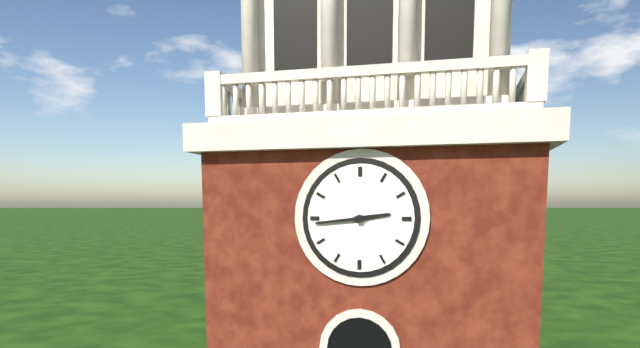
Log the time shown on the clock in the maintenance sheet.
2:44
